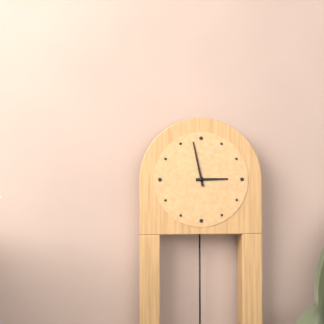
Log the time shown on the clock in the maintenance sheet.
2:58
